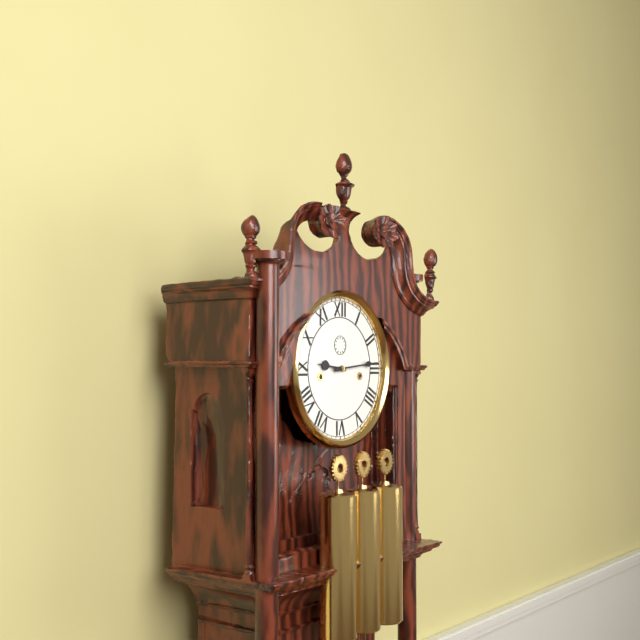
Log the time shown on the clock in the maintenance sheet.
9:14
